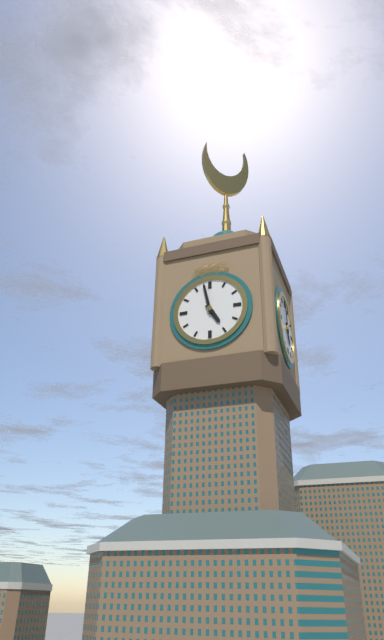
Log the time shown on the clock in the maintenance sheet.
4:58
